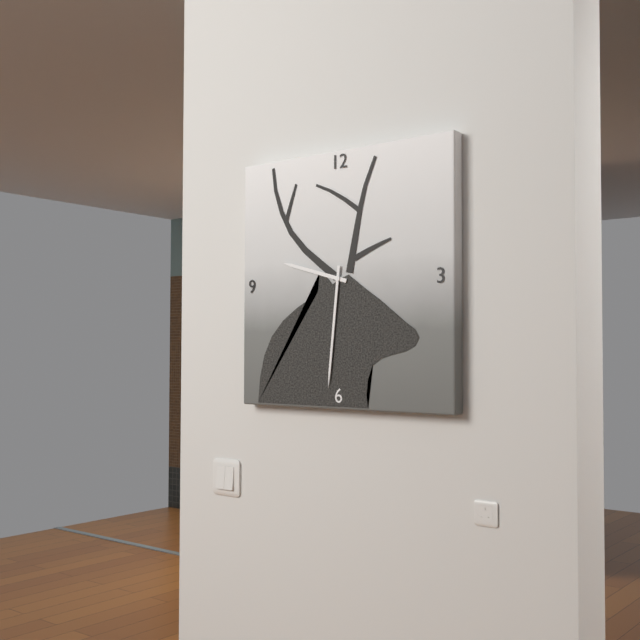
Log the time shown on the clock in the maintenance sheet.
9:31
